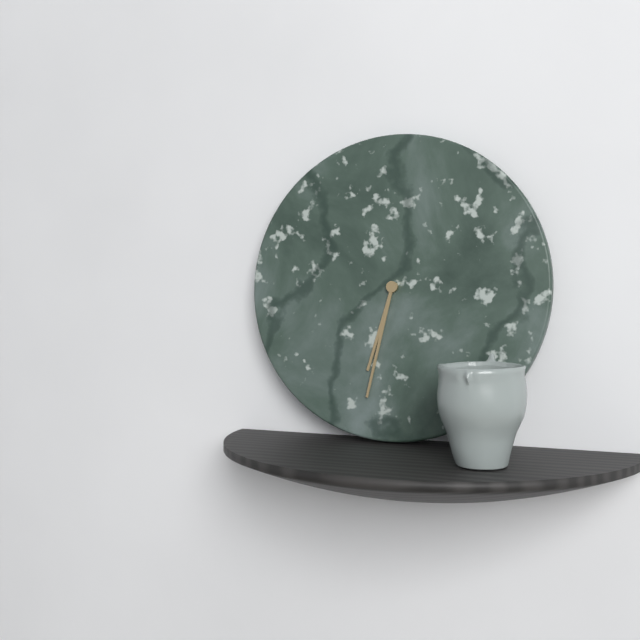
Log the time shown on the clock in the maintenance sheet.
6:32
